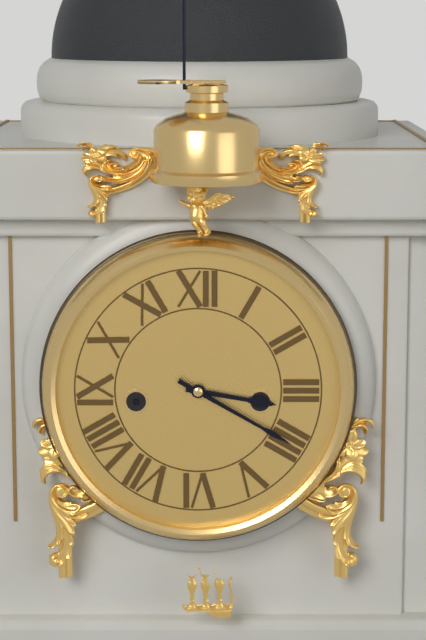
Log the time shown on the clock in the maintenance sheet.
3:20
